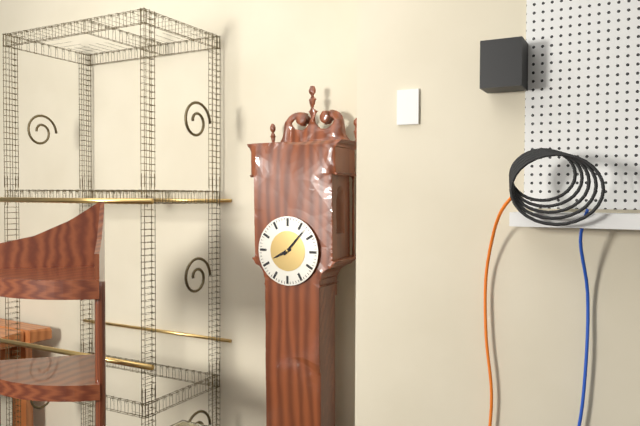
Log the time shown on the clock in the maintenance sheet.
8:07
